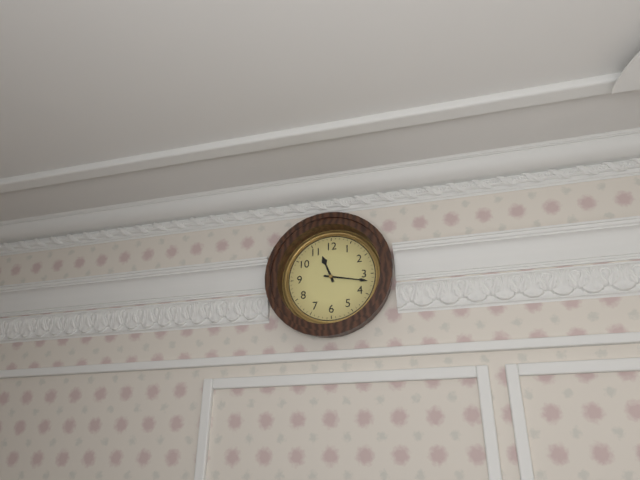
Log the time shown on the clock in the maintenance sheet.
11:17
